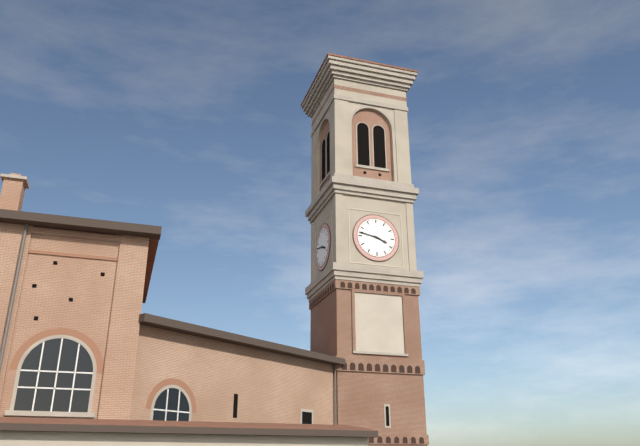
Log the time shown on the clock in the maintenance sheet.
3:47
